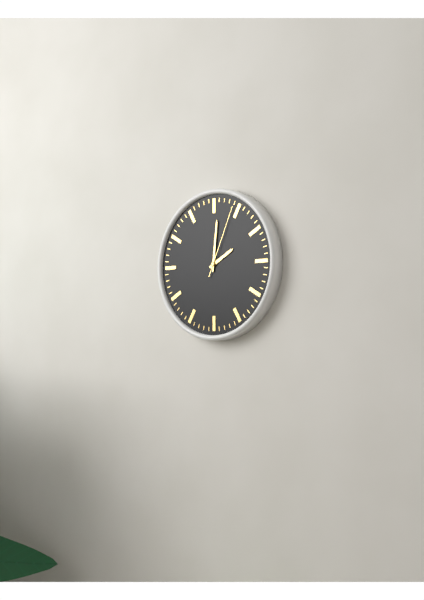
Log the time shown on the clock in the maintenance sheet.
2:01:04
